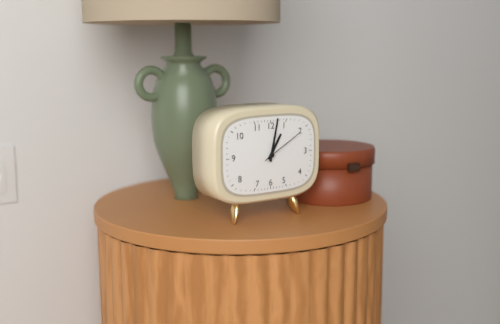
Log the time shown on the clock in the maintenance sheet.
1:02
